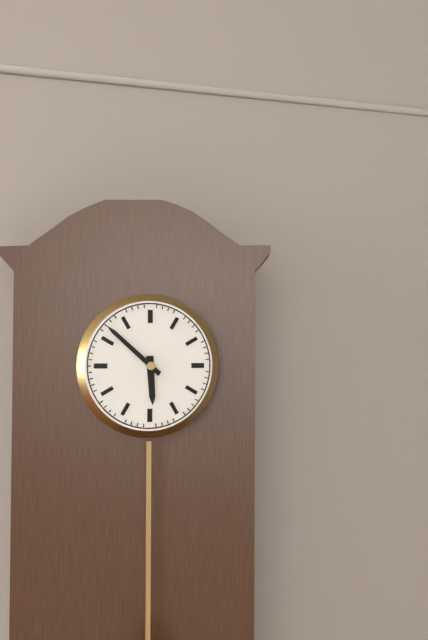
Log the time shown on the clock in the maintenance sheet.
5:52
